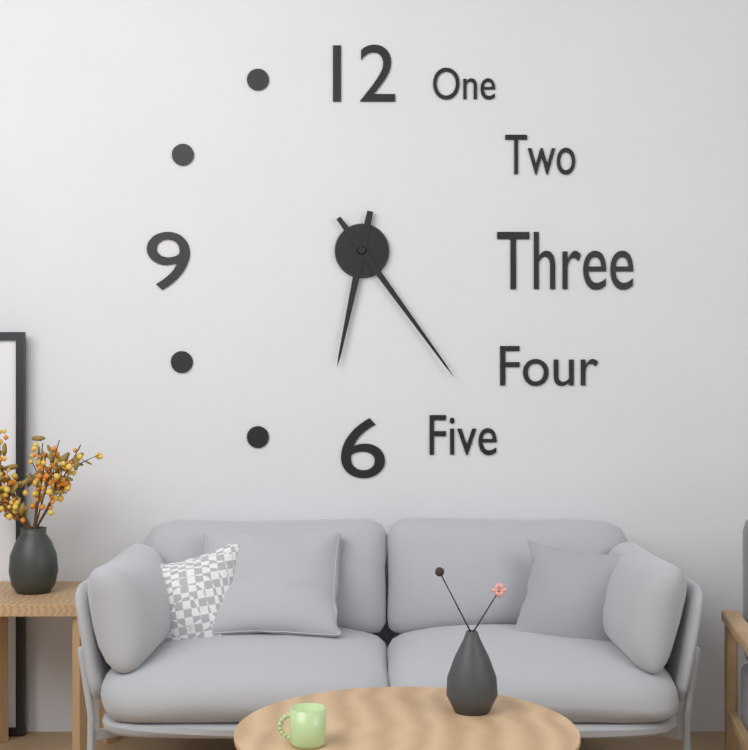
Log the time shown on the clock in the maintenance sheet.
6:24
